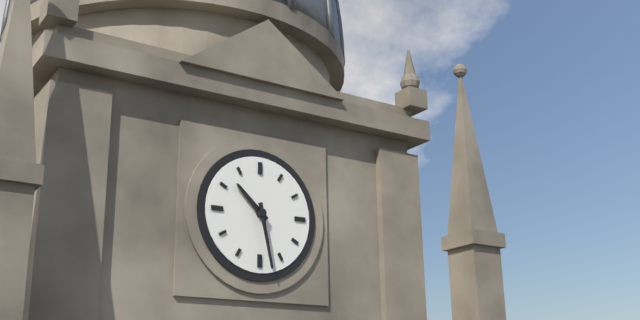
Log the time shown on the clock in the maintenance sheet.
10:28
